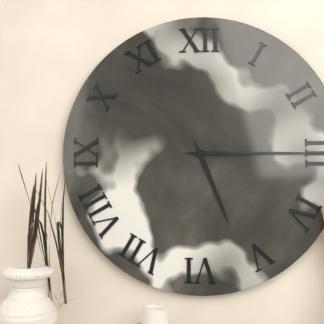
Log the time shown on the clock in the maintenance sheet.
5:15
